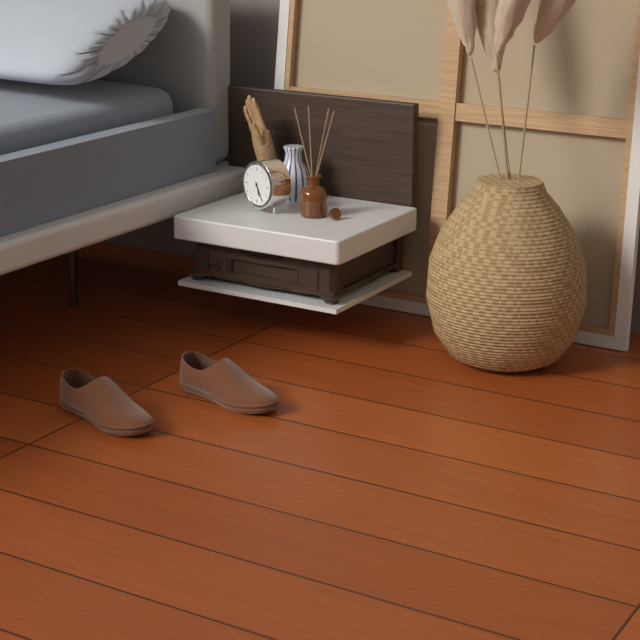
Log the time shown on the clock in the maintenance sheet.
5:25
